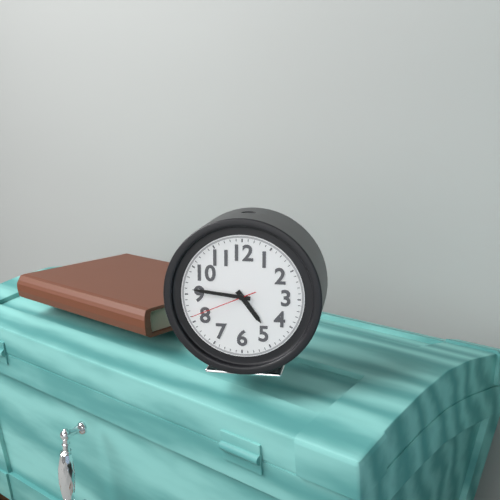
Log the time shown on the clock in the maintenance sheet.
4:46:41
